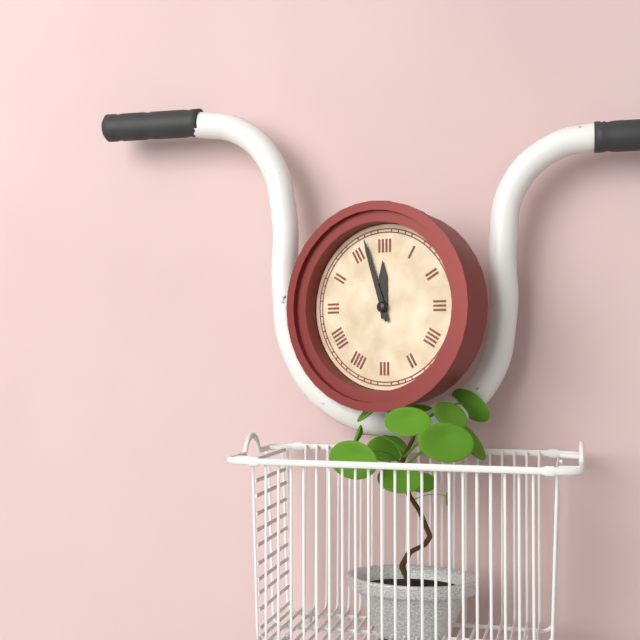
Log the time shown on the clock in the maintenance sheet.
11:57
